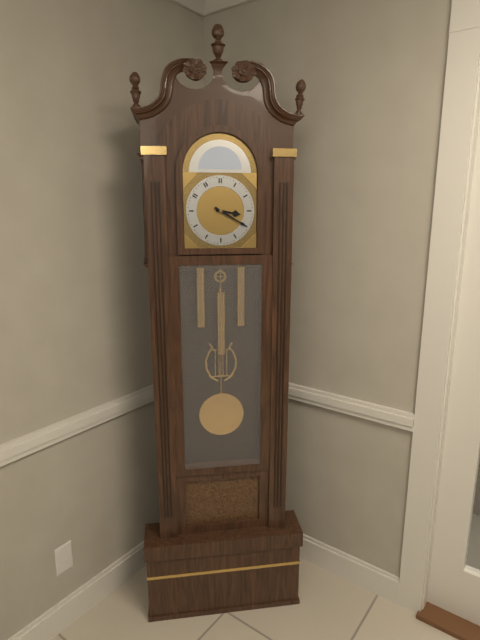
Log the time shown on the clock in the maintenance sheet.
3:20
